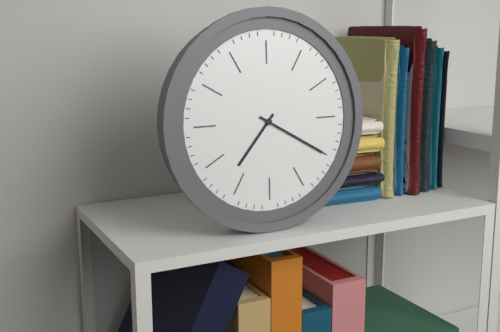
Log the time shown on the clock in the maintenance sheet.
7:20
